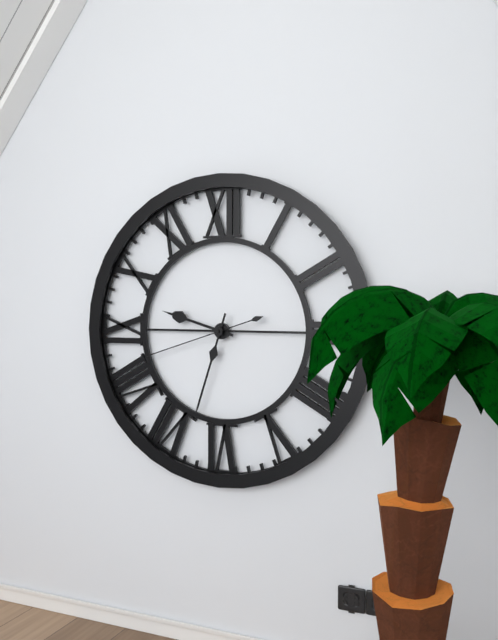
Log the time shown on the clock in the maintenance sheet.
9:33:42
